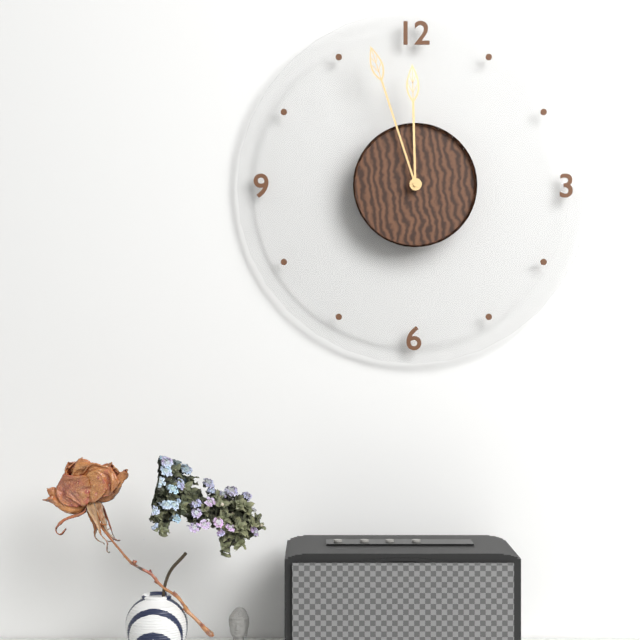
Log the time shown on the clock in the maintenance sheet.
11:57
